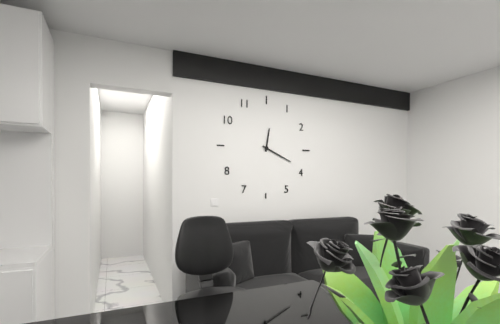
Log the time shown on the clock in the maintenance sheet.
12:19
